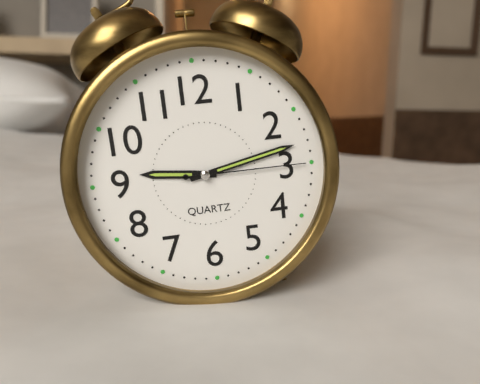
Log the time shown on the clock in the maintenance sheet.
9:13:15
